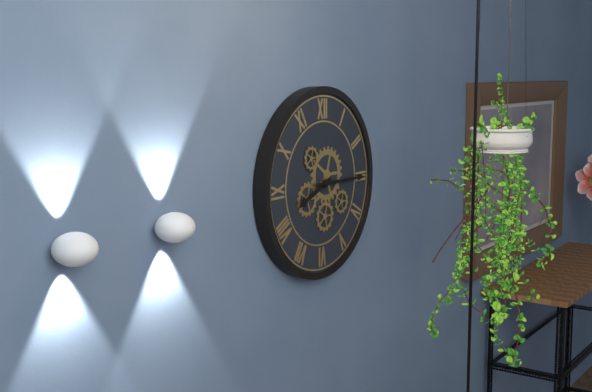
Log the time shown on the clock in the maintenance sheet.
8:15
